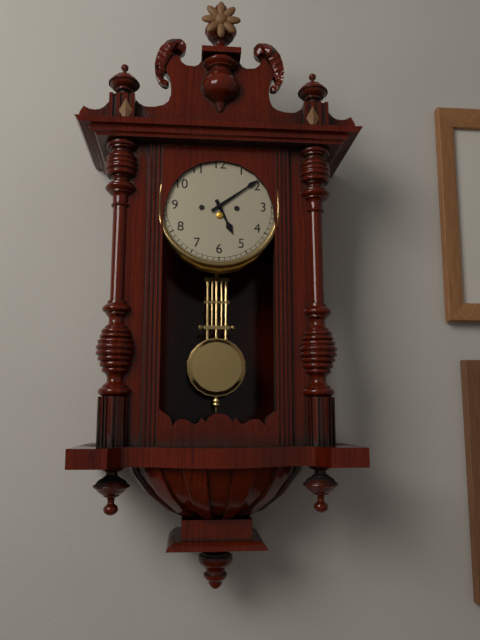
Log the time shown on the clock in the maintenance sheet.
5:09
